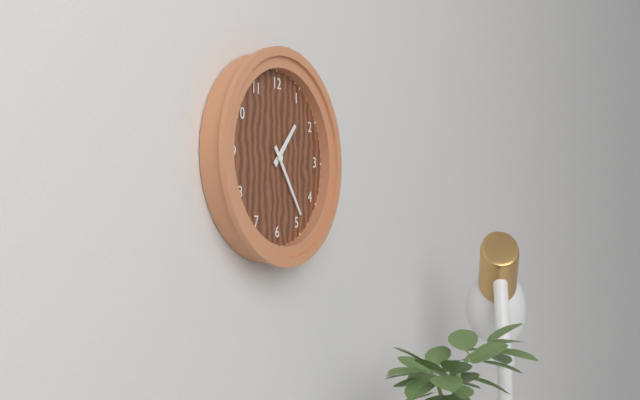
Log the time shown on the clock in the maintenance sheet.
1:24
